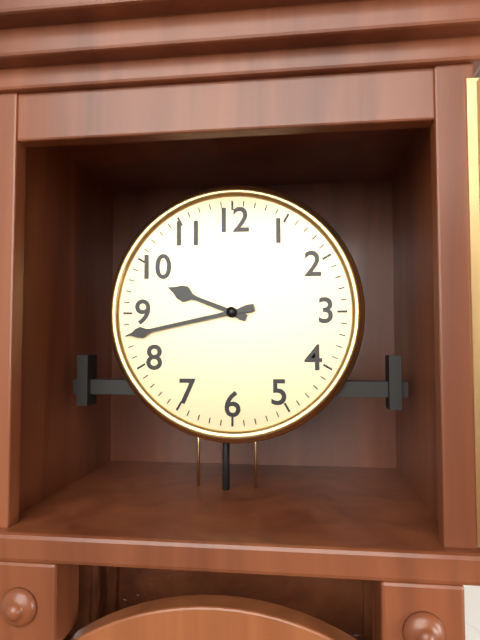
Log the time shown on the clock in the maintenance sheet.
9:43
